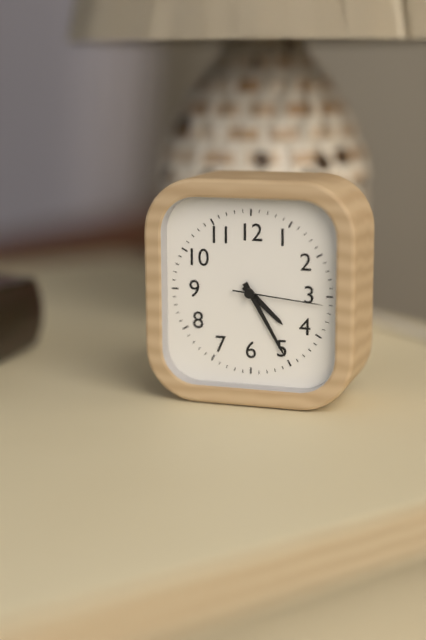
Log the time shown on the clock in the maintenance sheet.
4:25:16
